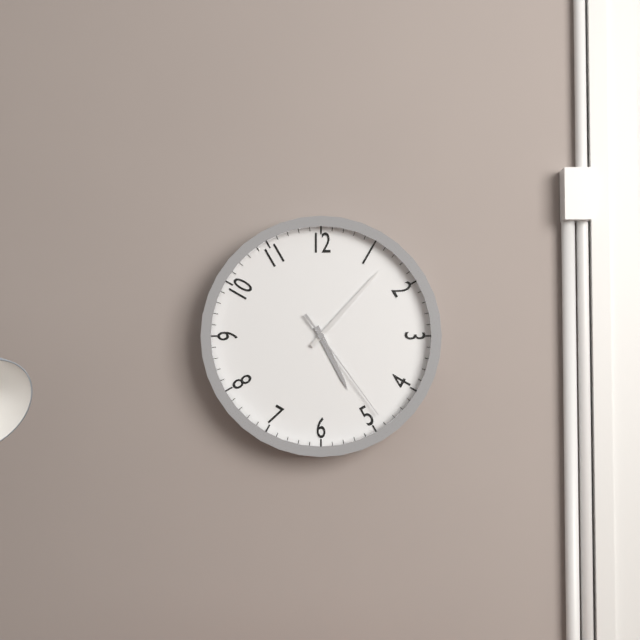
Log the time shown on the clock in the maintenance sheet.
5:07:24
